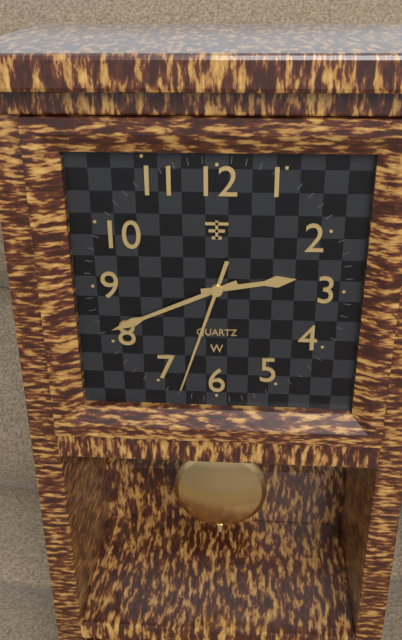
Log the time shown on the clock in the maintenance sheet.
2:41:33
